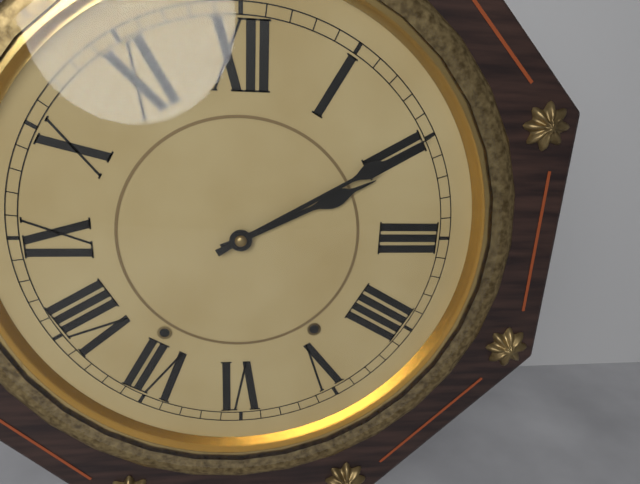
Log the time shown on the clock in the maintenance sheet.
2:10
